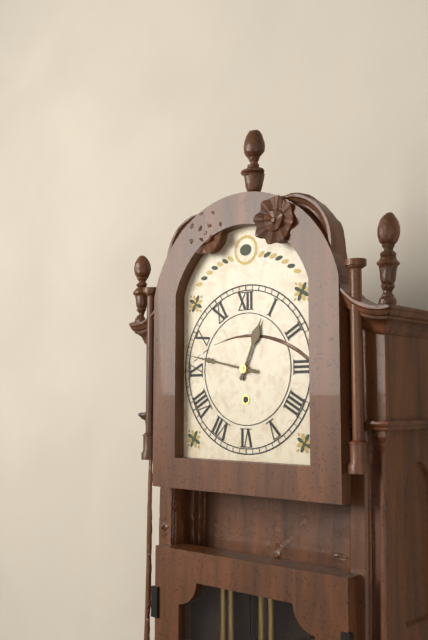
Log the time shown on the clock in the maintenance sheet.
12:47
